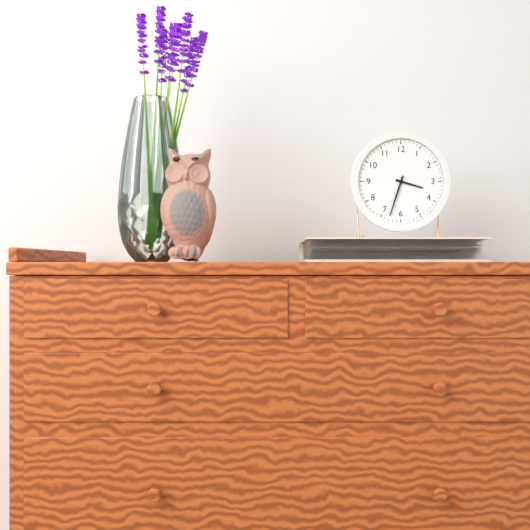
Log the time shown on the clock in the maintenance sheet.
3:33
